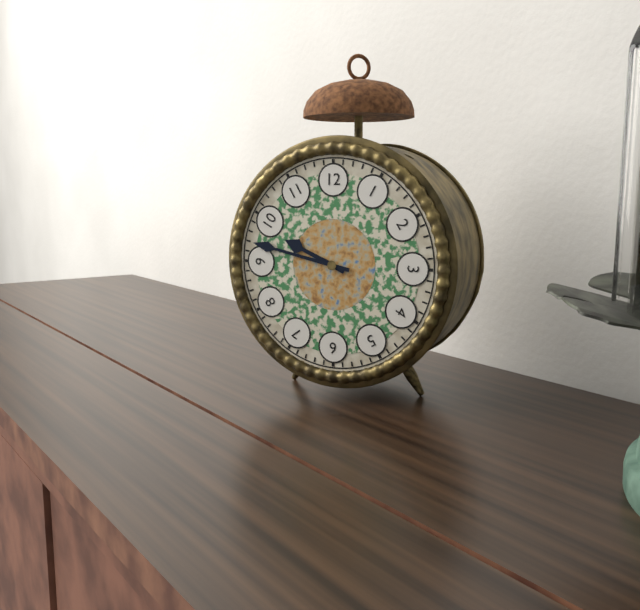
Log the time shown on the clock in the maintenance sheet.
9:47
